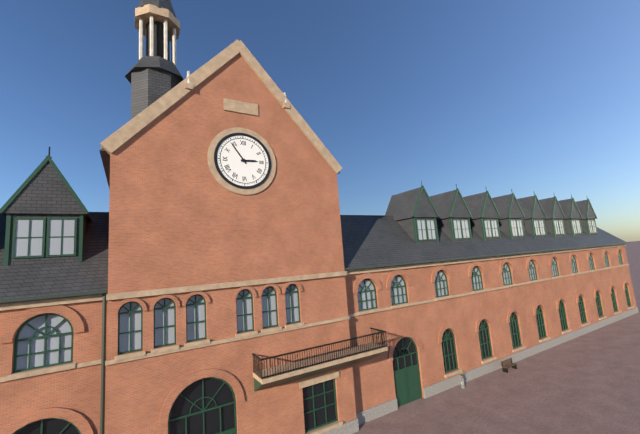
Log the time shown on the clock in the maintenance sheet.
2:54
